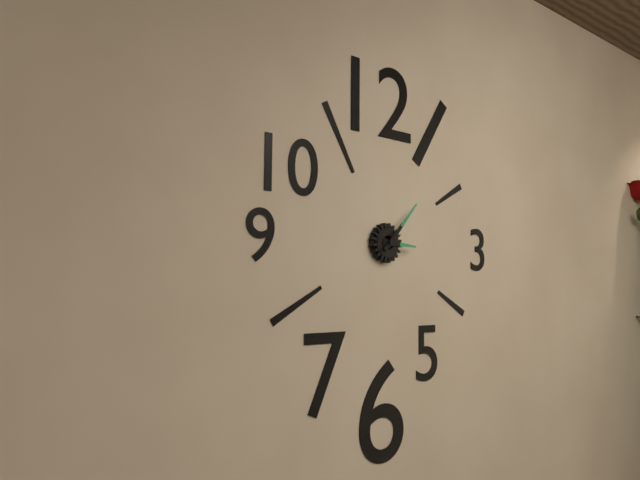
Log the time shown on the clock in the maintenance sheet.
3:07
